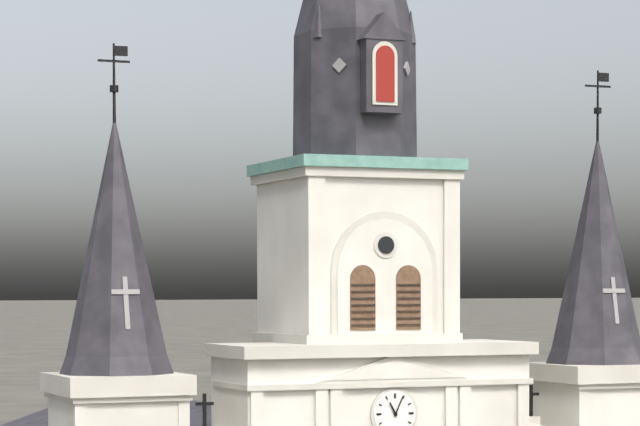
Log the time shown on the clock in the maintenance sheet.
11:04
